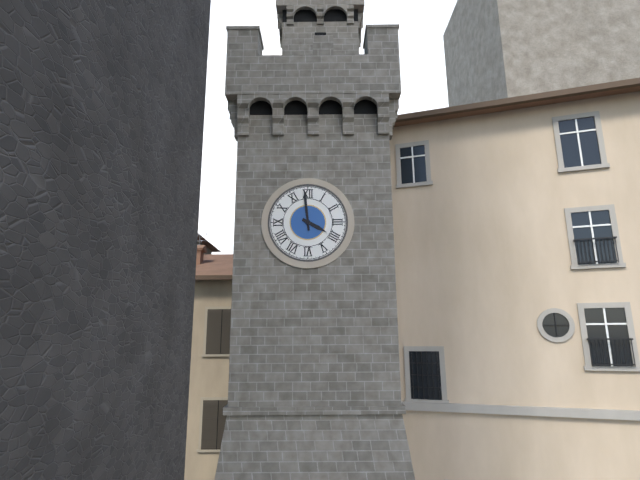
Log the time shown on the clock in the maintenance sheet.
3:59
